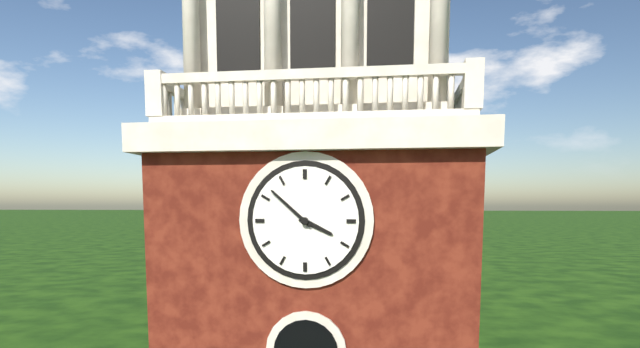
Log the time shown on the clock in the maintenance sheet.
3:52
